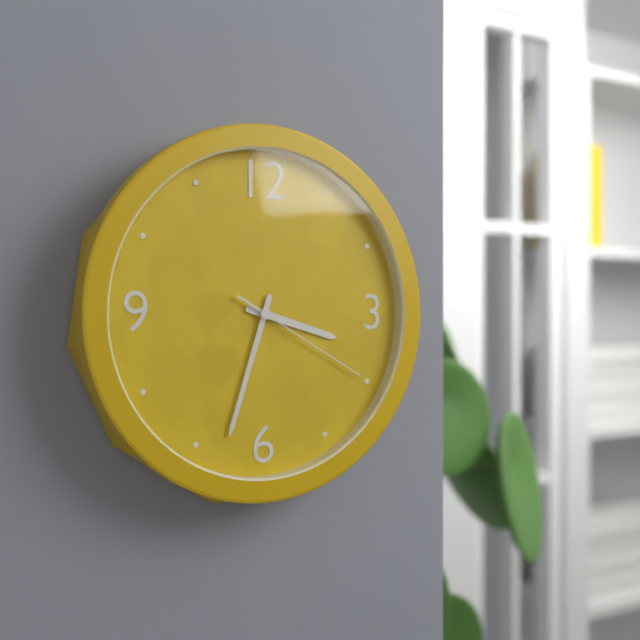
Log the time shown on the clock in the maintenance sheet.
3:33:20
